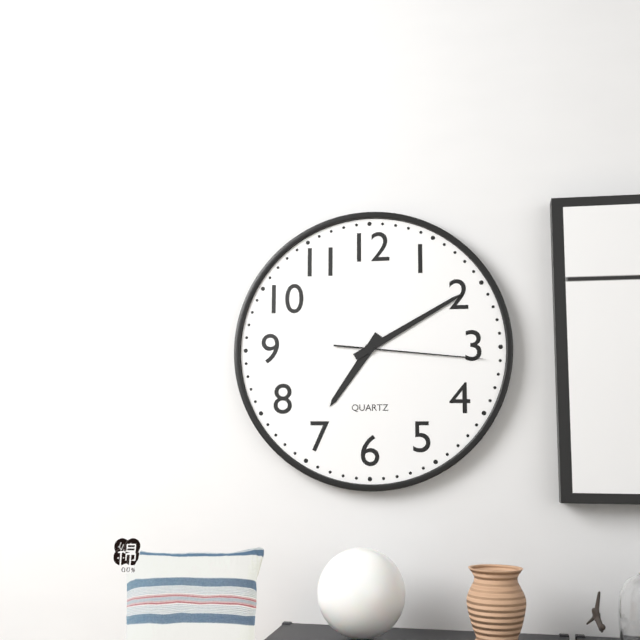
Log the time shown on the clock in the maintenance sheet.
7:10:16
